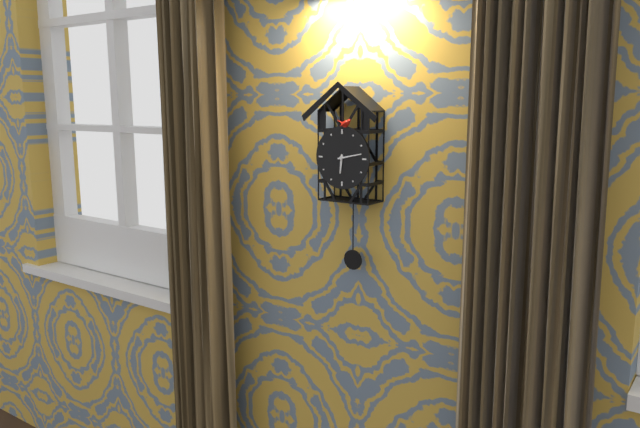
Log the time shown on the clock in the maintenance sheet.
6:13
